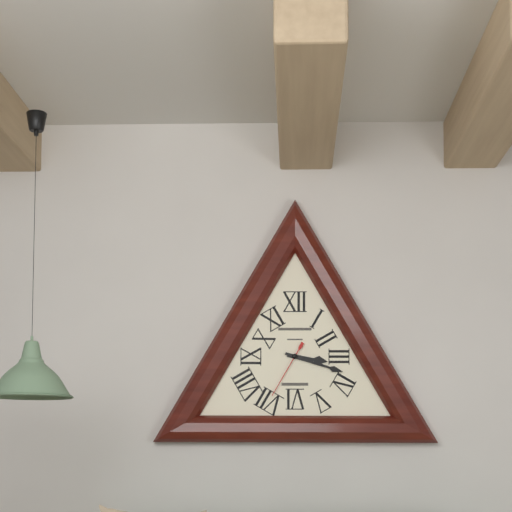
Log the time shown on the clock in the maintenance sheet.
3:18:35
